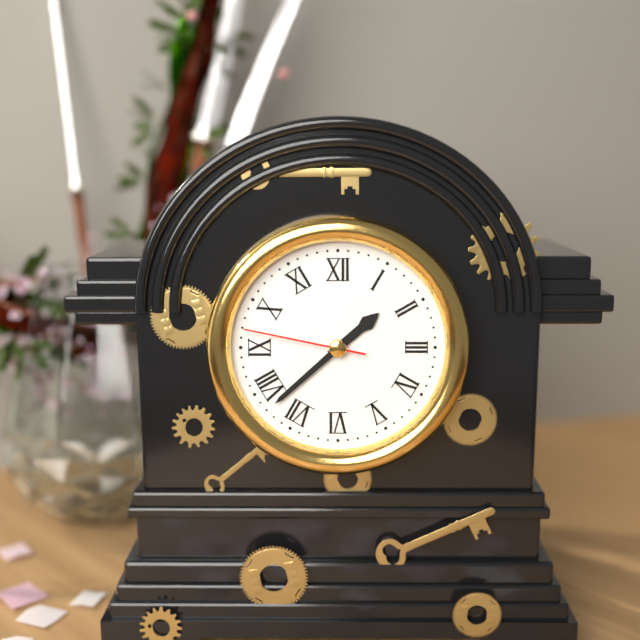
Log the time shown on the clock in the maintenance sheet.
1:38:47
